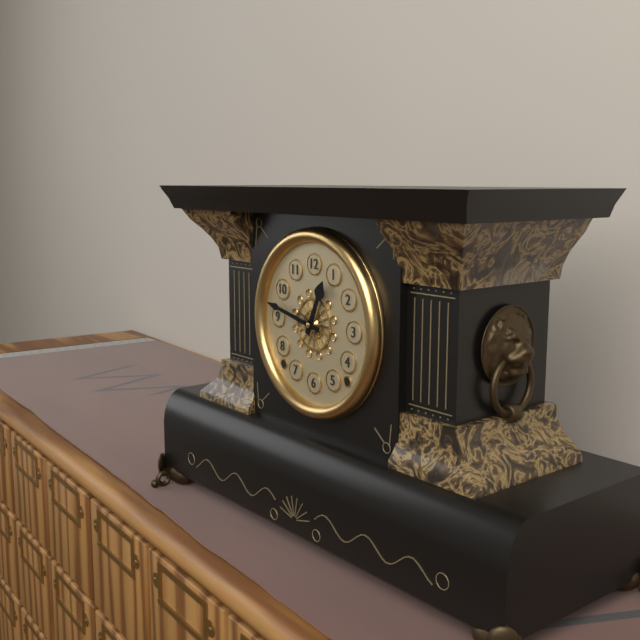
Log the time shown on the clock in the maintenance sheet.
12:47
